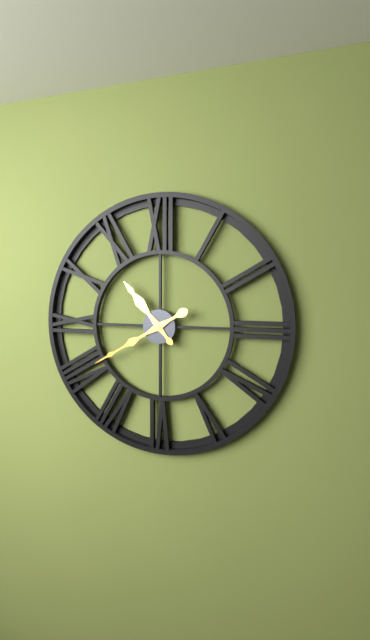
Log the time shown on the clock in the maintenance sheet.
10:40
